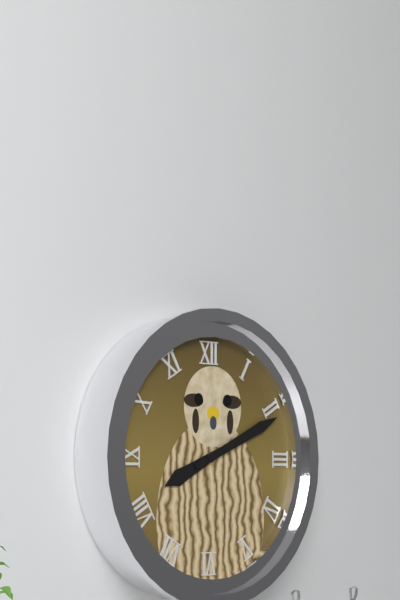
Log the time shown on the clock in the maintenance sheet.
8:11
